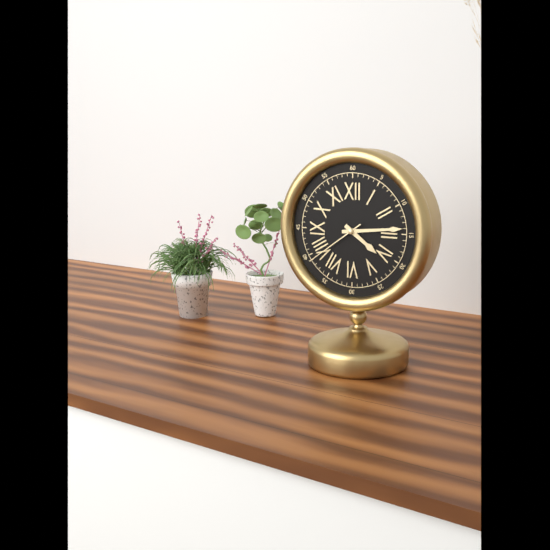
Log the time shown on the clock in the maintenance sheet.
4:14:39
